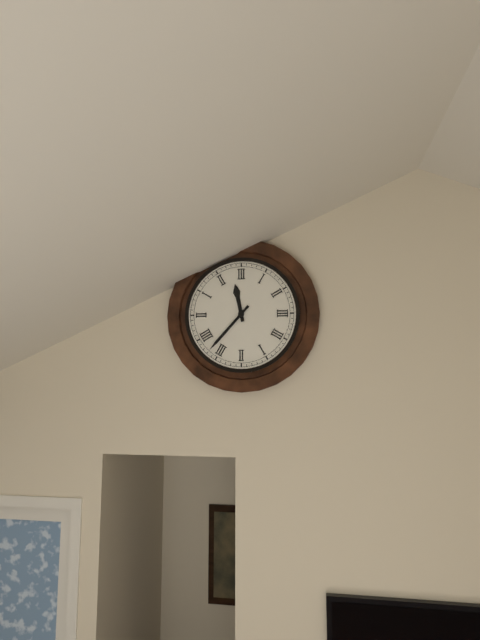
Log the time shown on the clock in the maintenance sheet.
11:37
